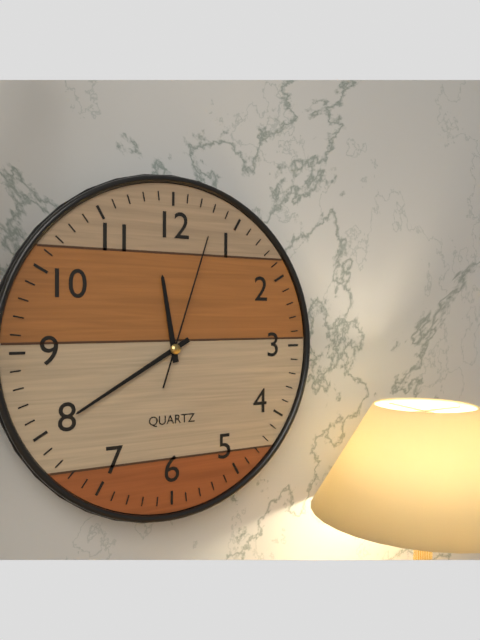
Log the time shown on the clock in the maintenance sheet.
11:40:03
